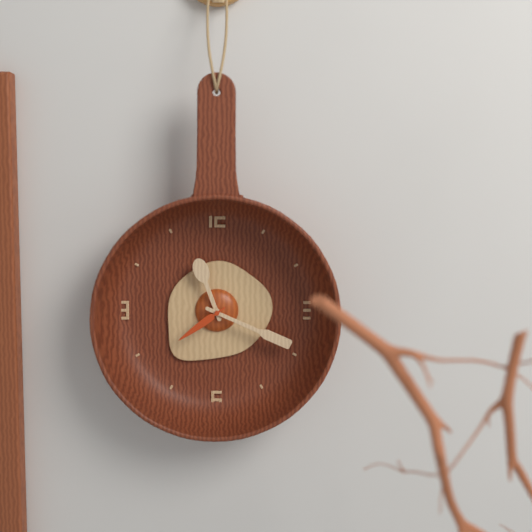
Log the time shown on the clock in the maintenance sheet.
11:19:39
